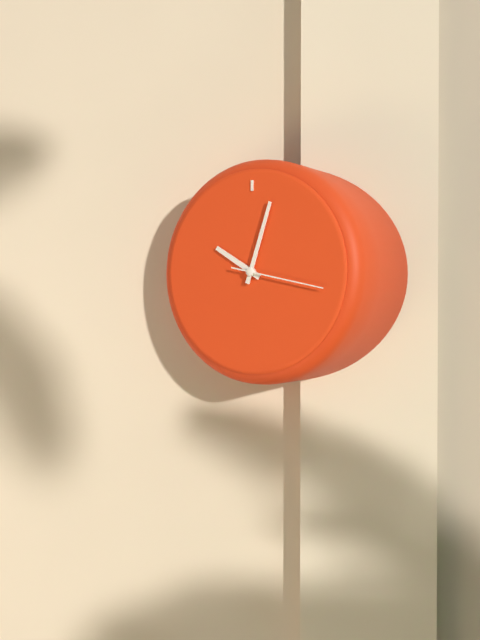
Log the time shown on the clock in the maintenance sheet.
10:03:17
